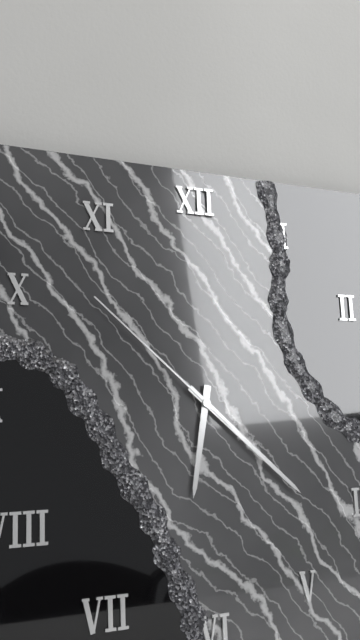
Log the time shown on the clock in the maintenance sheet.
6:22:52
